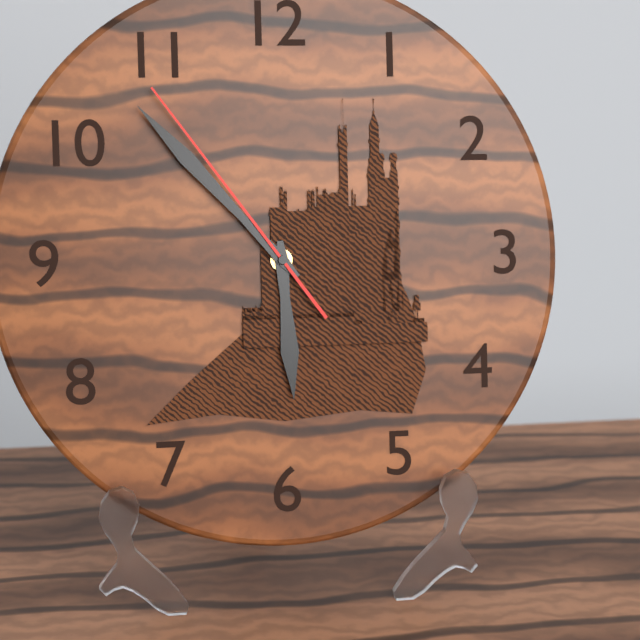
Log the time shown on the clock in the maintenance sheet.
5:53:54
